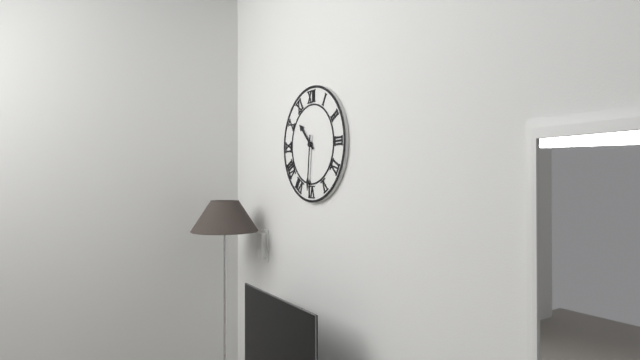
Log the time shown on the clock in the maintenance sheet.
10:31
